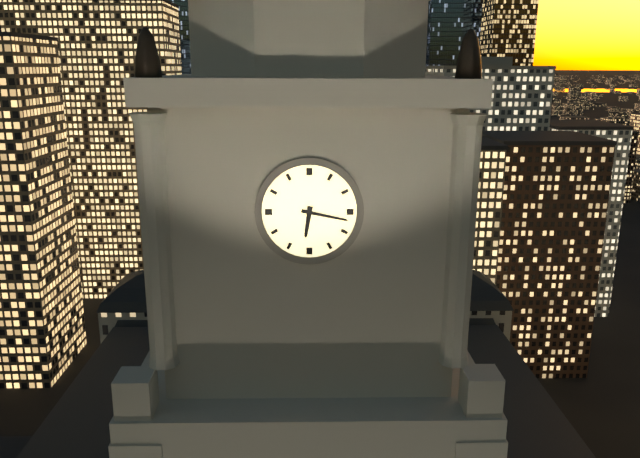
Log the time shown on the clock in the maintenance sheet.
6:17
